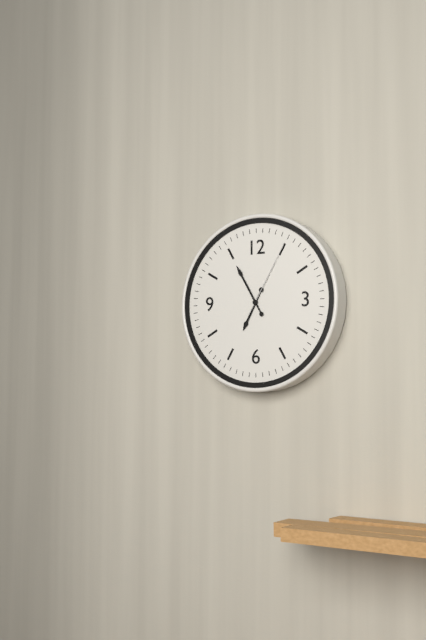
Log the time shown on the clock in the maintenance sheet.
6:55:05
